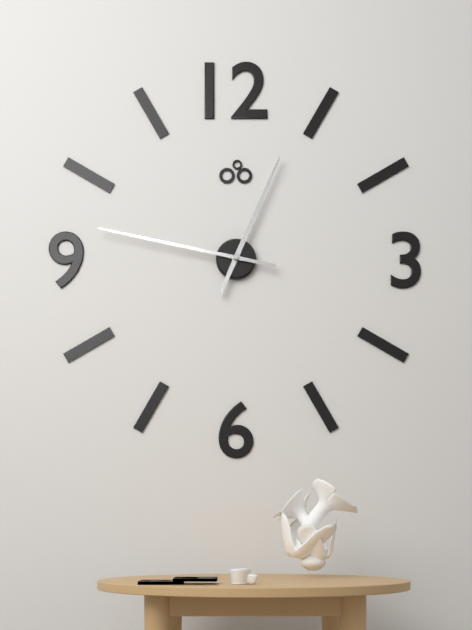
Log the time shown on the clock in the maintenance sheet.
12:47
